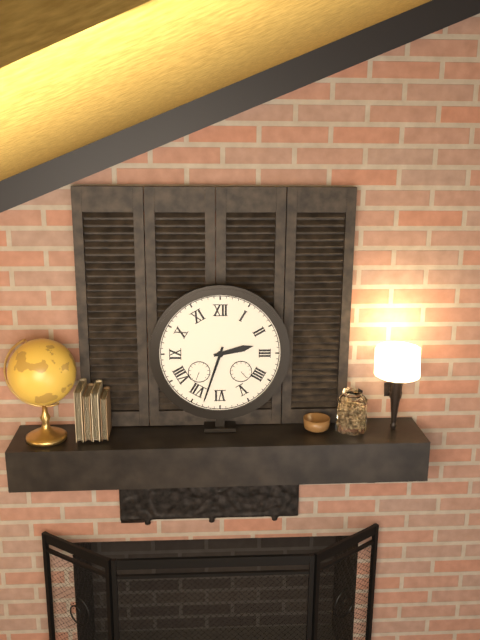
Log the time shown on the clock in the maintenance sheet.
2:33
